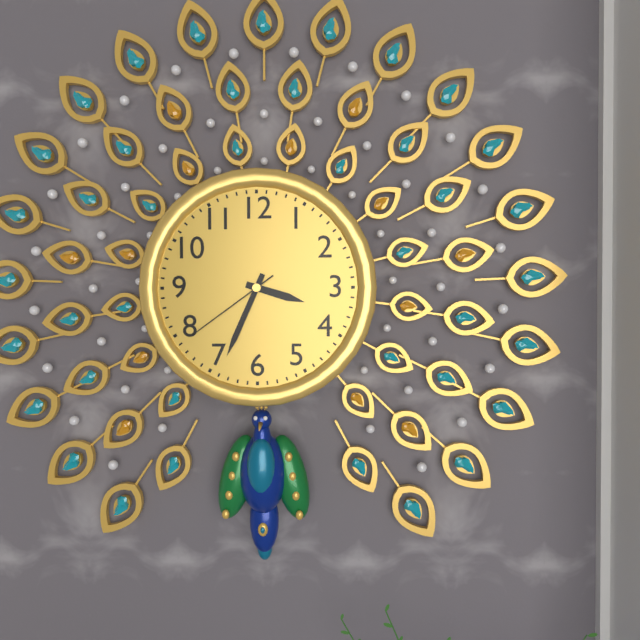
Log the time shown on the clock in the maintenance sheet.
3:34:39
